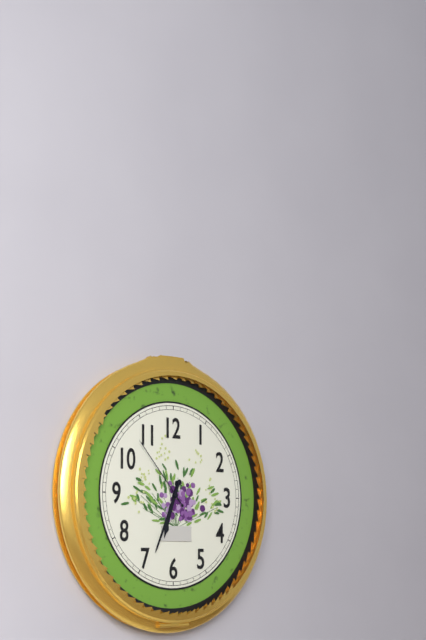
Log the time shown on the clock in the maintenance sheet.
6:34:53
